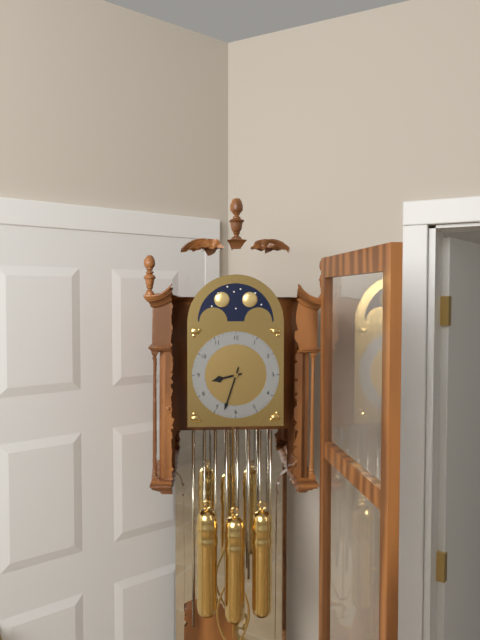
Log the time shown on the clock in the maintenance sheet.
8:33
